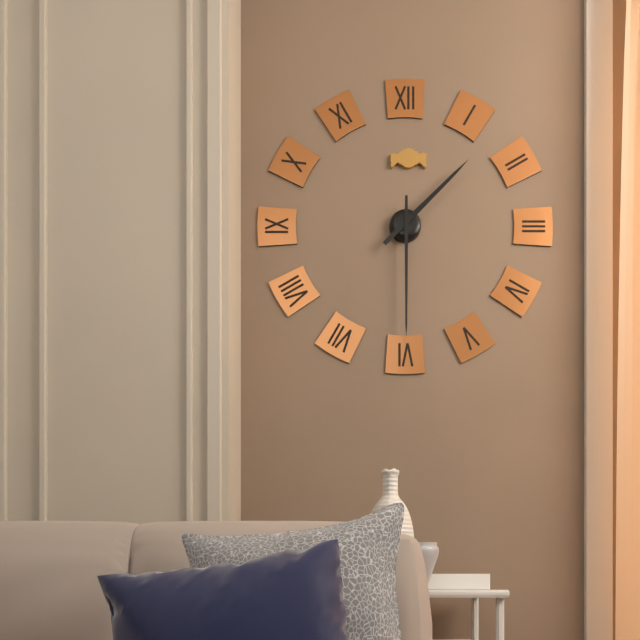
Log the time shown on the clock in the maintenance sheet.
1:30
